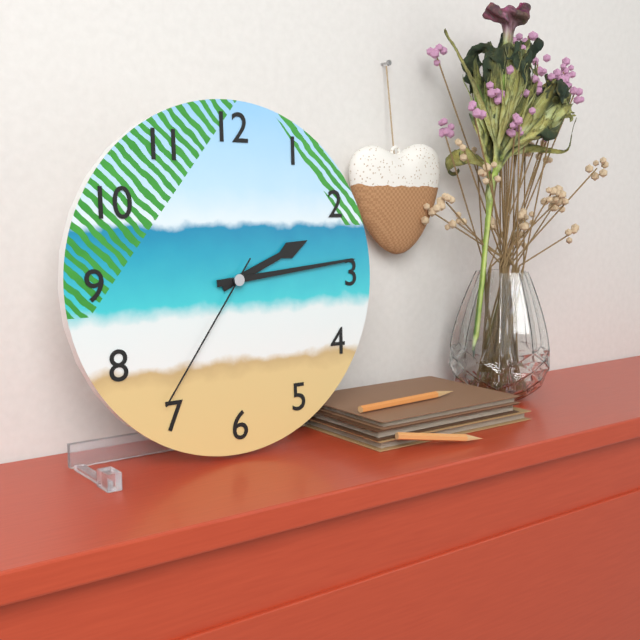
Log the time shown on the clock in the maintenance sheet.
2:14:36
